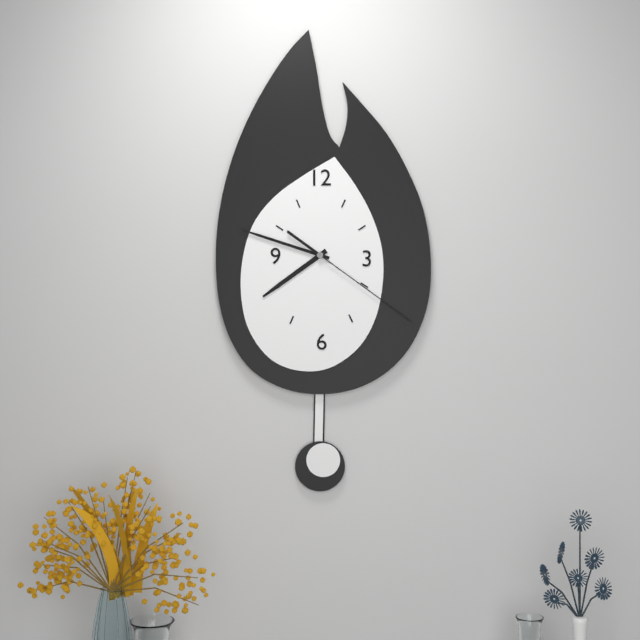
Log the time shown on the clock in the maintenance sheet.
7:48:21
